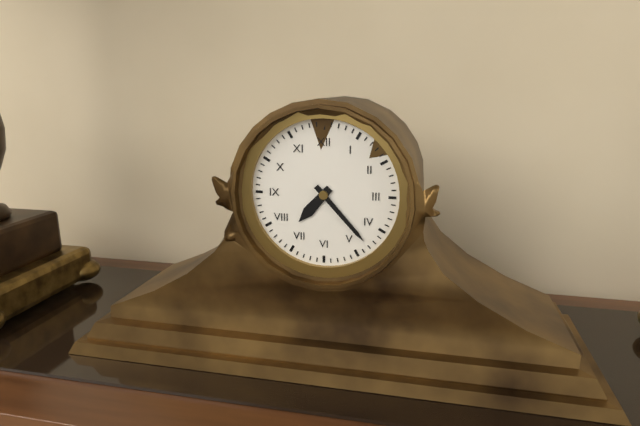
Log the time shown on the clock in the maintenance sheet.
7:23
